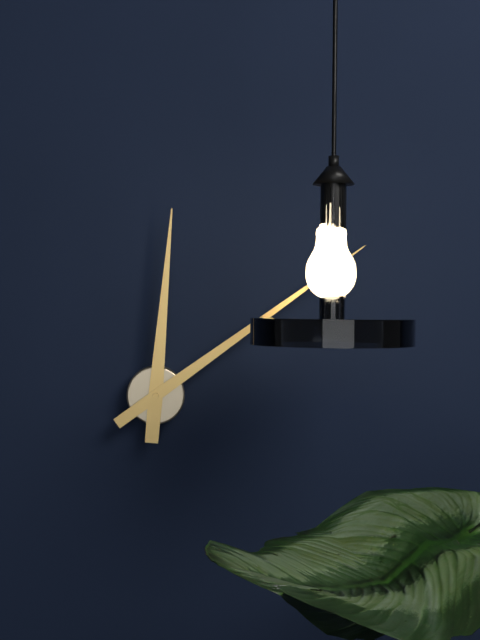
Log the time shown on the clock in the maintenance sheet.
12:09
